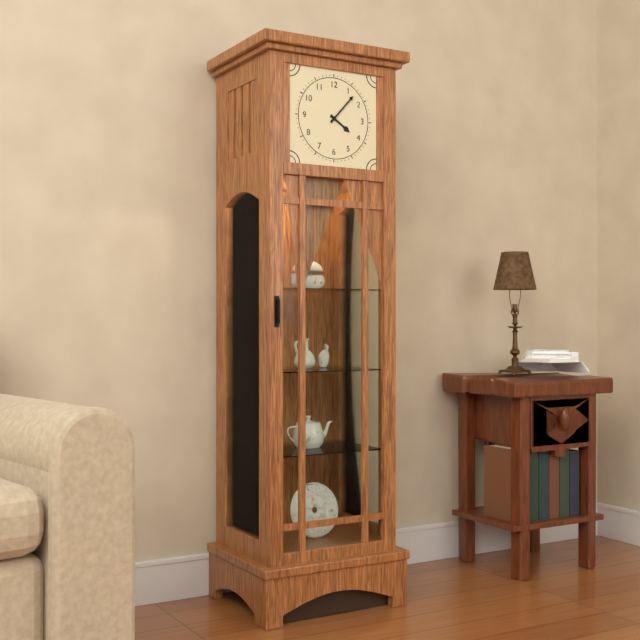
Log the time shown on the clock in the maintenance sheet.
4:07
